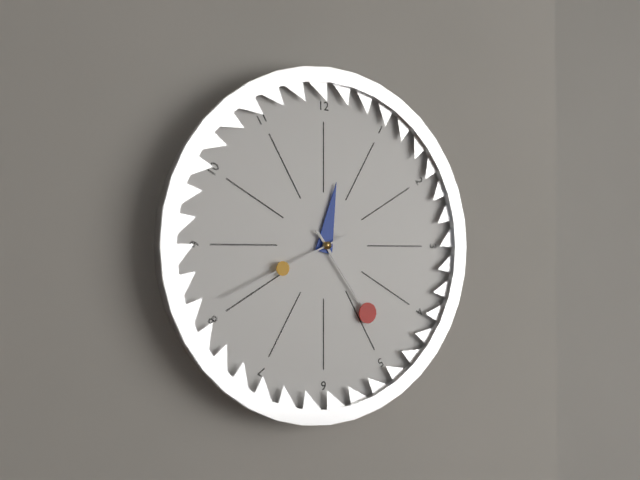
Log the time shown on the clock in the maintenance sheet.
12:24:41
